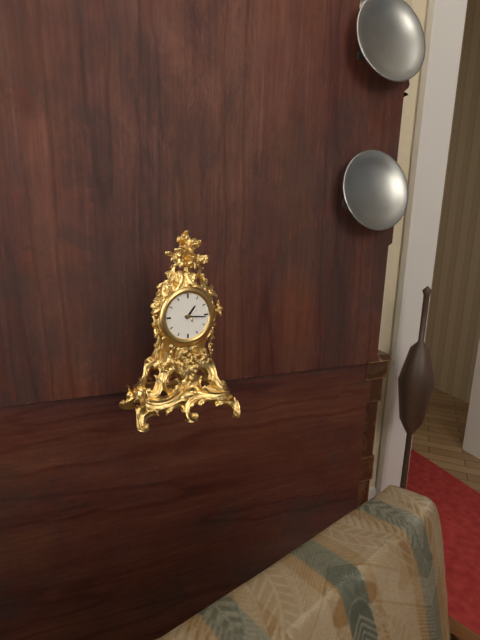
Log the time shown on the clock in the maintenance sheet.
1:16
